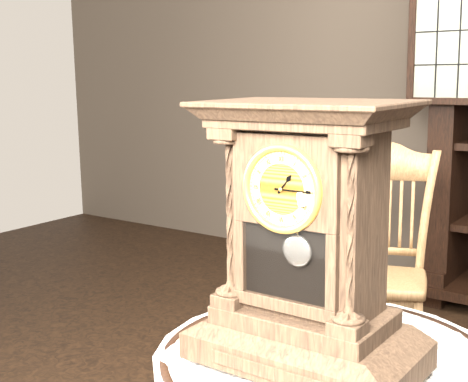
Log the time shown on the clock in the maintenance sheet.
1:15
